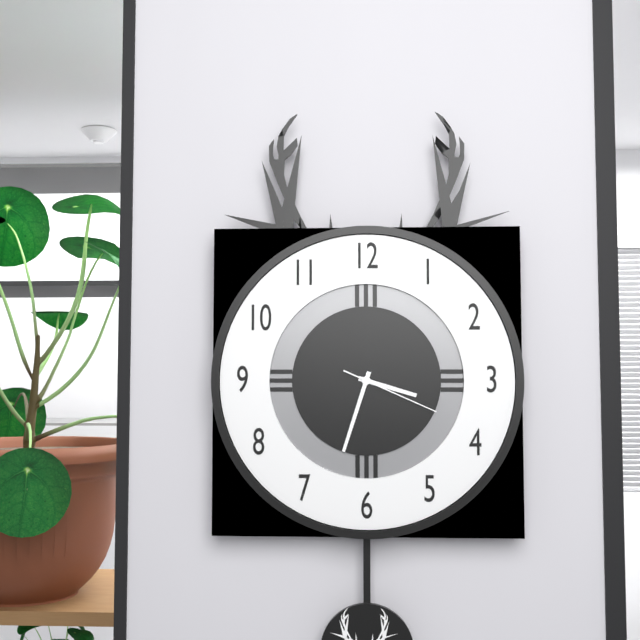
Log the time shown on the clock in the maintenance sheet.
3:33:19
